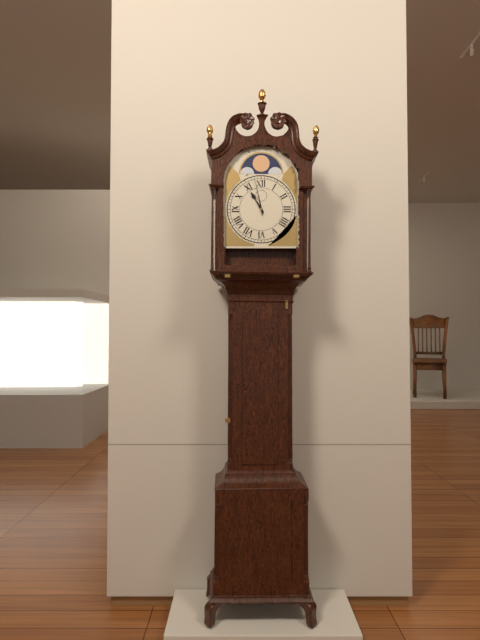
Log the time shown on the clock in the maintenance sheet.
10:58
